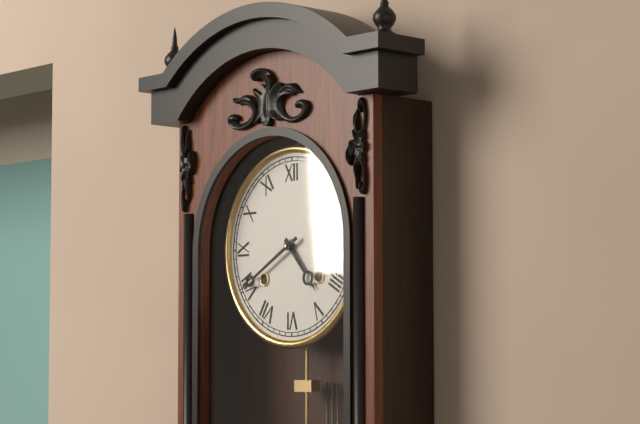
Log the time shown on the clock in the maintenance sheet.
4:40
